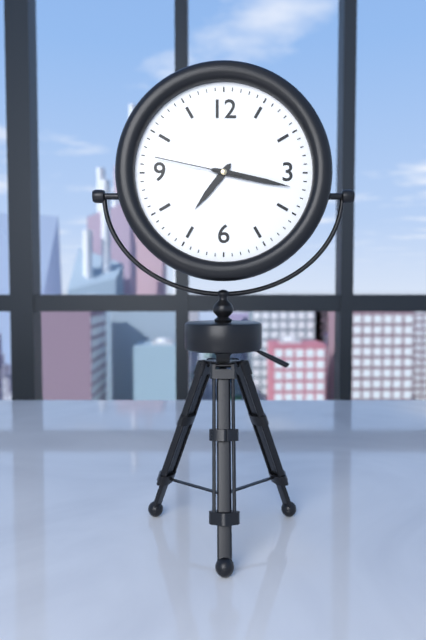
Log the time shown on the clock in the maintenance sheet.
7:17:47
